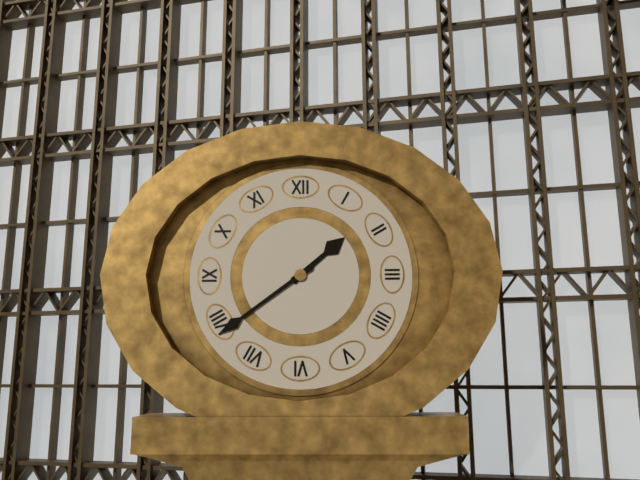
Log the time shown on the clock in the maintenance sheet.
1:39
